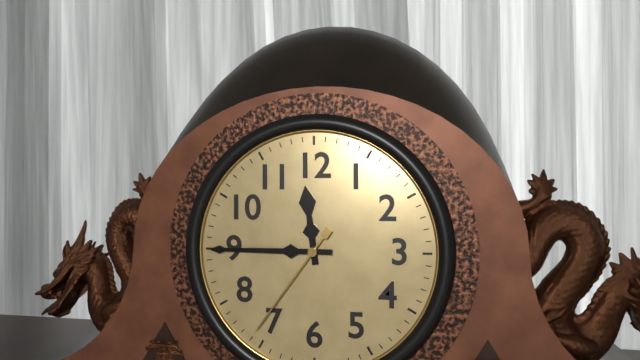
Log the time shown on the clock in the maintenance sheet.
11:45:36
